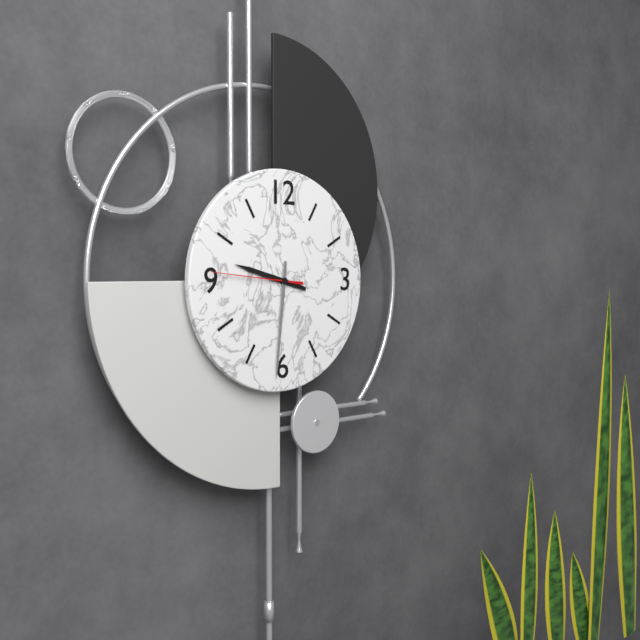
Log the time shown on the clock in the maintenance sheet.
9:31:46
